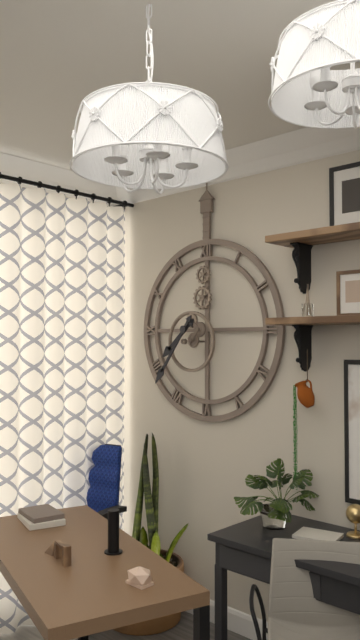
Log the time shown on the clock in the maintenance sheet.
7:36
